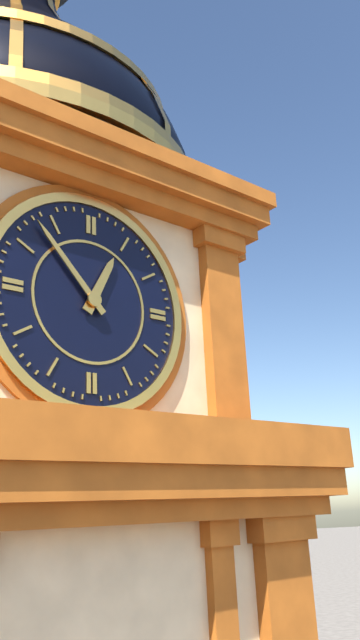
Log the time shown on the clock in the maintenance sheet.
12:53
